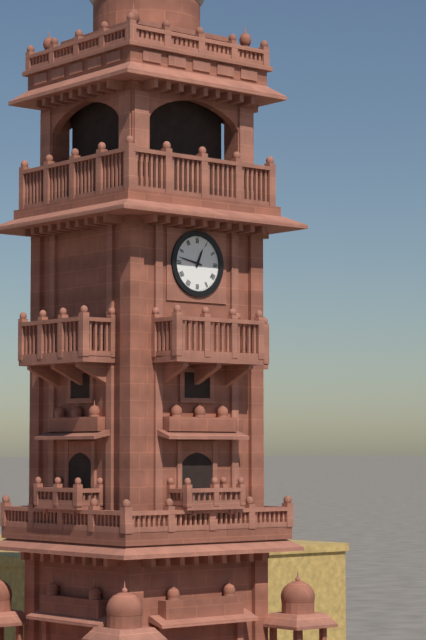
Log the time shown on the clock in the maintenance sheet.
12:47
